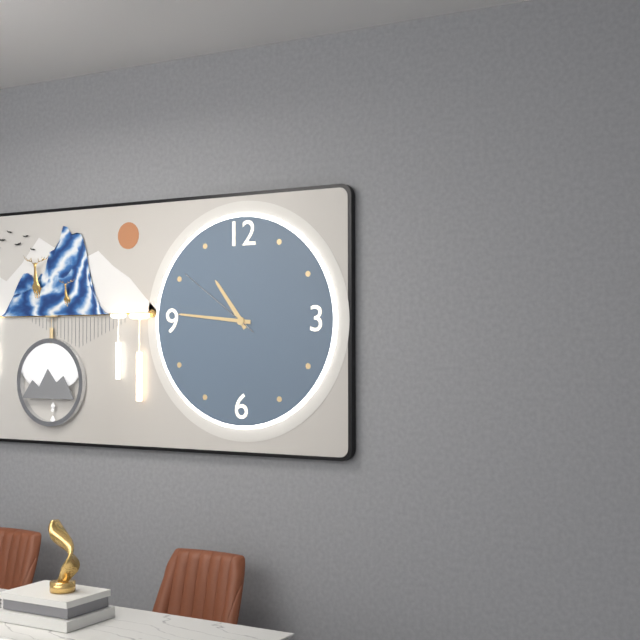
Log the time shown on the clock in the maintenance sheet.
10:46:51
